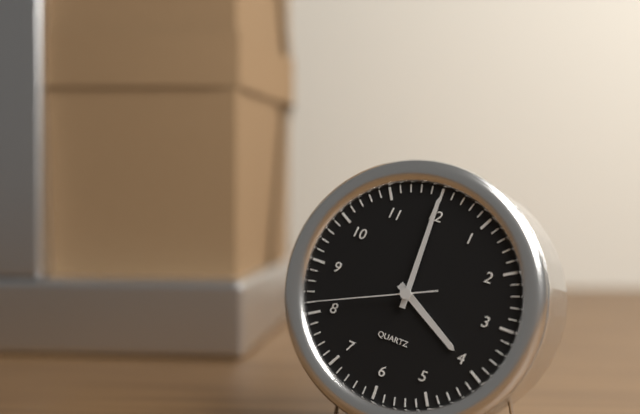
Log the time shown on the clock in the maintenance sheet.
4:00:41
